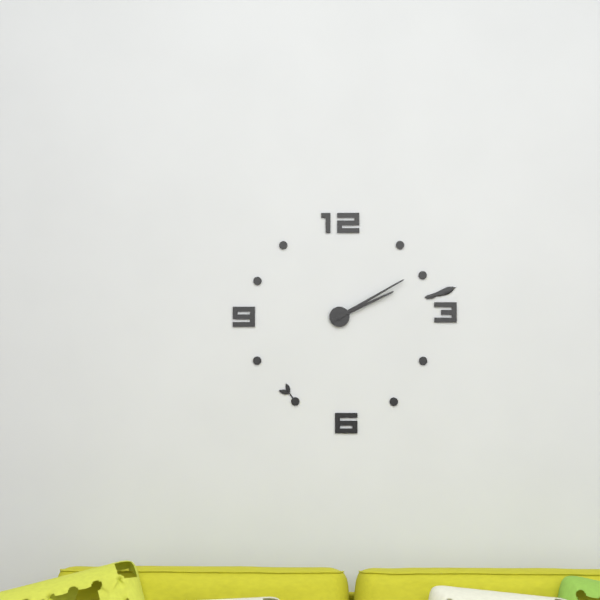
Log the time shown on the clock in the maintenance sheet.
2:10
